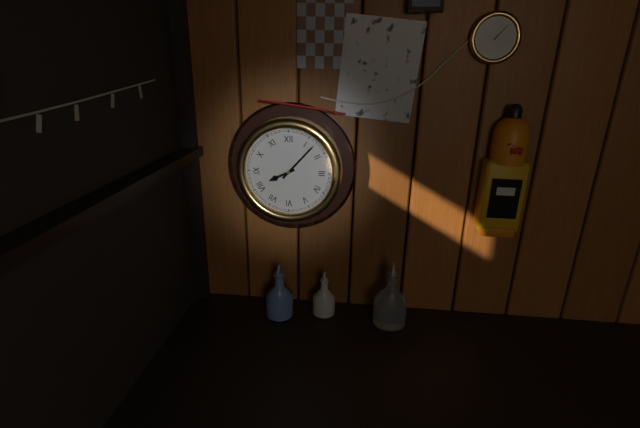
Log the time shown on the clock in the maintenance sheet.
8:07
